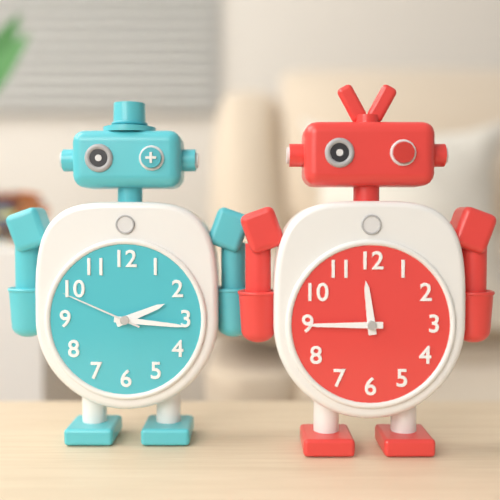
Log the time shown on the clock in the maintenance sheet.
2:16:49
